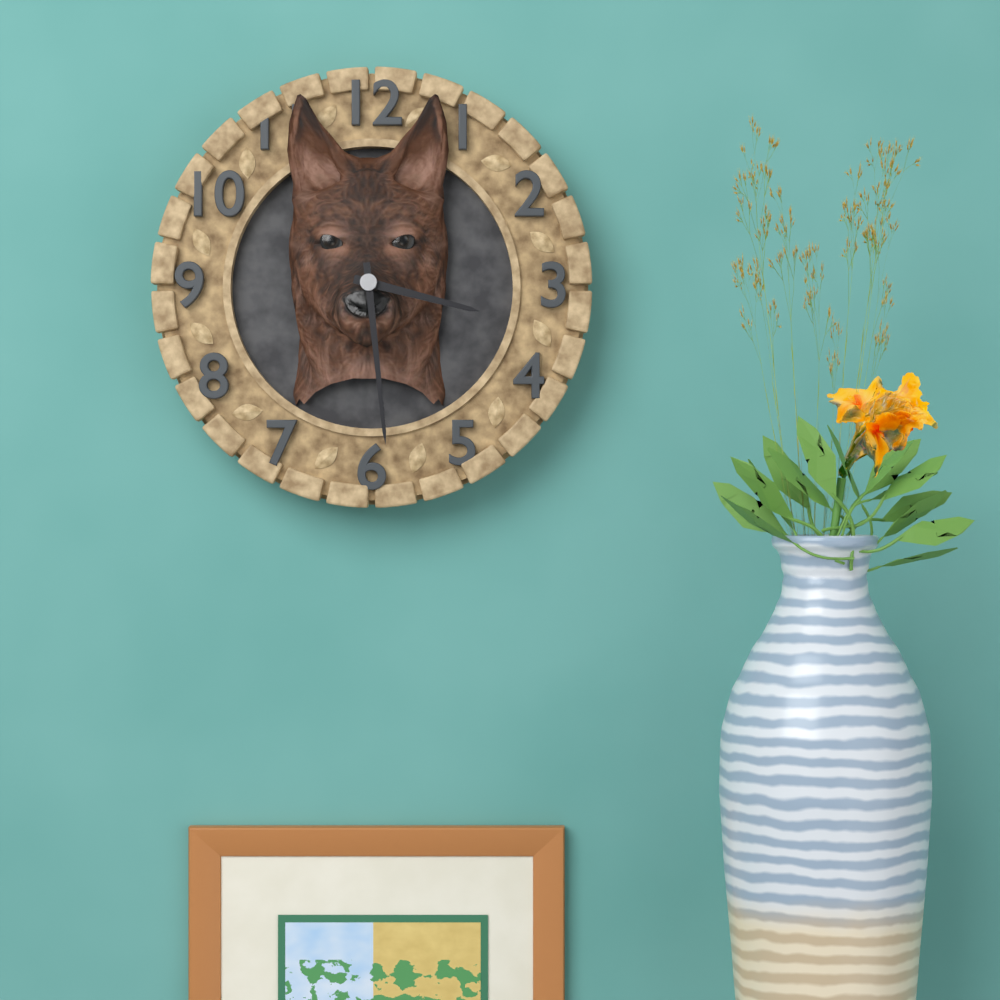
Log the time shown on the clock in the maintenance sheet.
3:29
